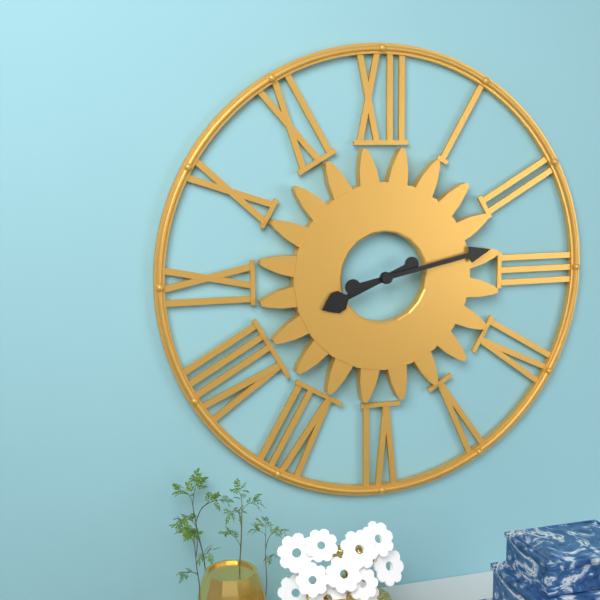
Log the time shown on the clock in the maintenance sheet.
8:13
